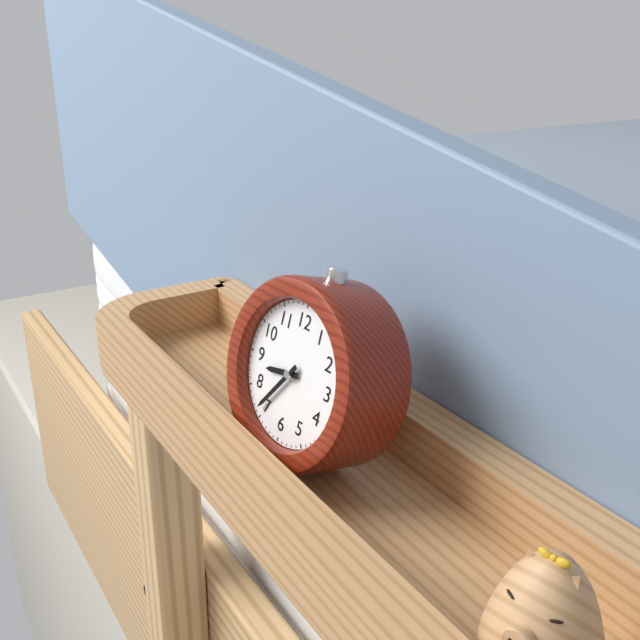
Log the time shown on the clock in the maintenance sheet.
8:36
